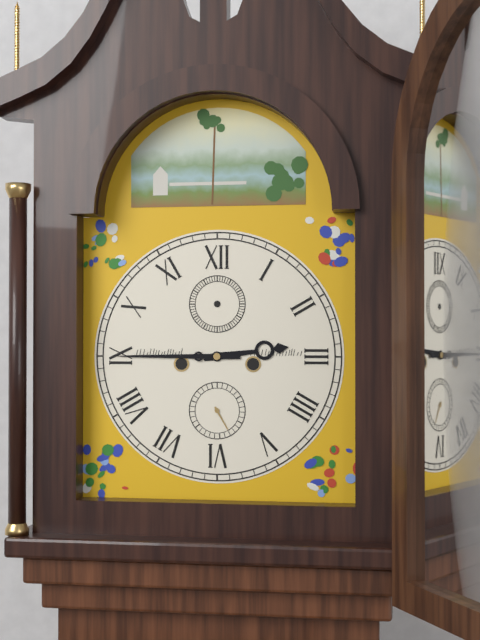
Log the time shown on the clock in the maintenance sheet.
2:45
